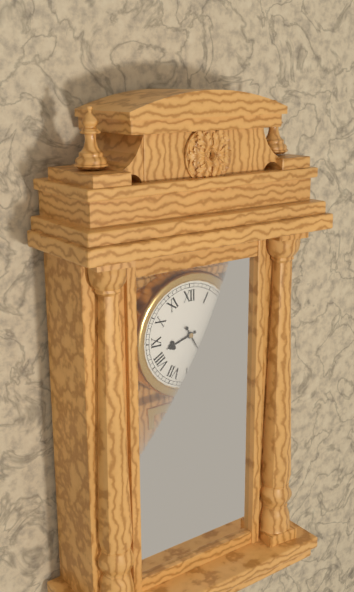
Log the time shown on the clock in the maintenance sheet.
8:25
